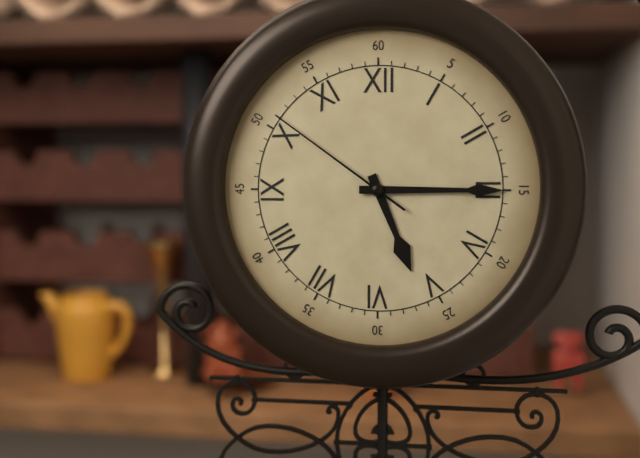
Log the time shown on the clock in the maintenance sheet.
5:15:51
